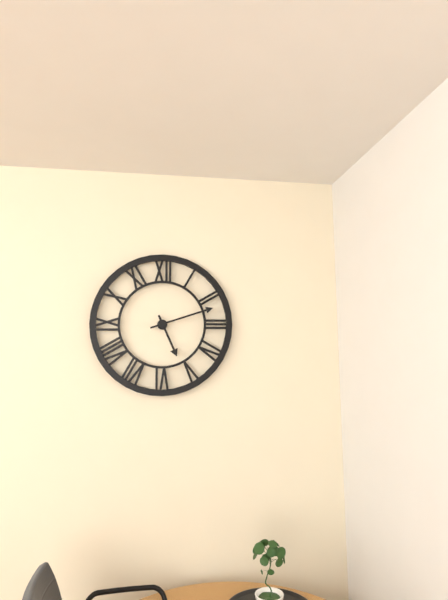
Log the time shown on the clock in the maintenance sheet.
5:12
